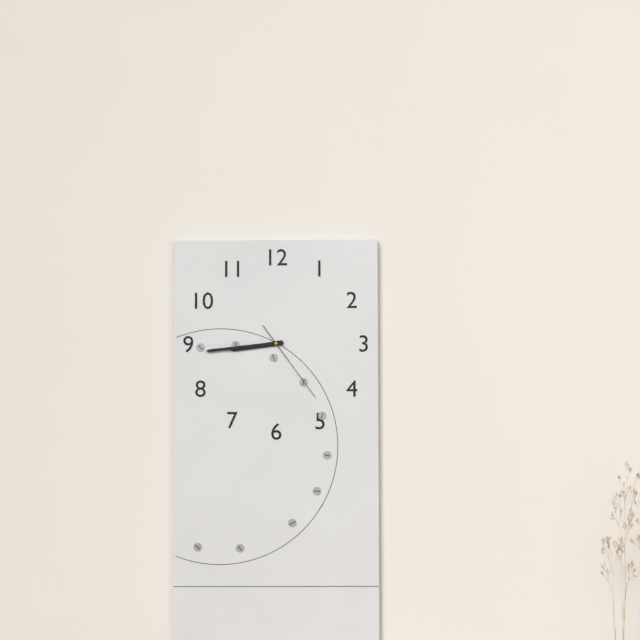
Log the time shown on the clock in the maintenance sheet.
8:44:24
